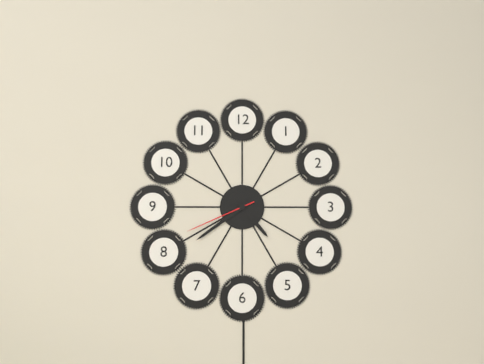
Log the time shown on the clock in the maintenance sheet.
4:39:41
